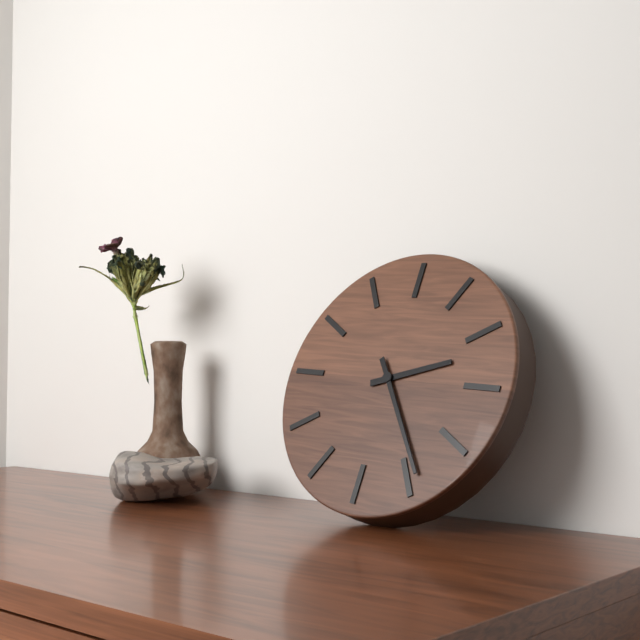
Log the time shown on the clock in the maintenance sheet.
2:24
